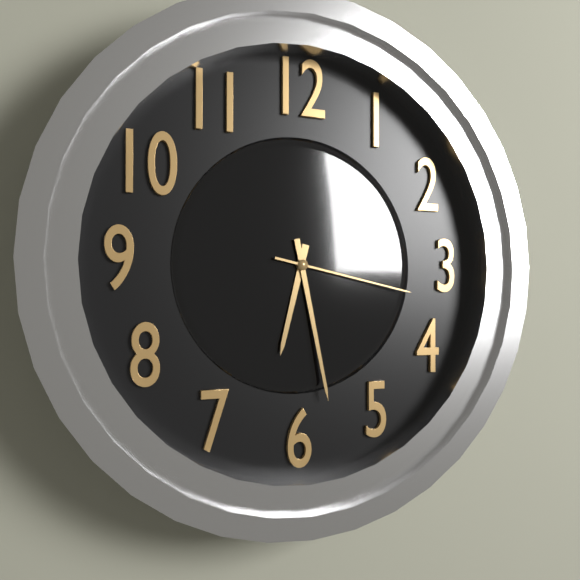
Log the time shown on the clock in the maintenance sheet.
6:28:17
